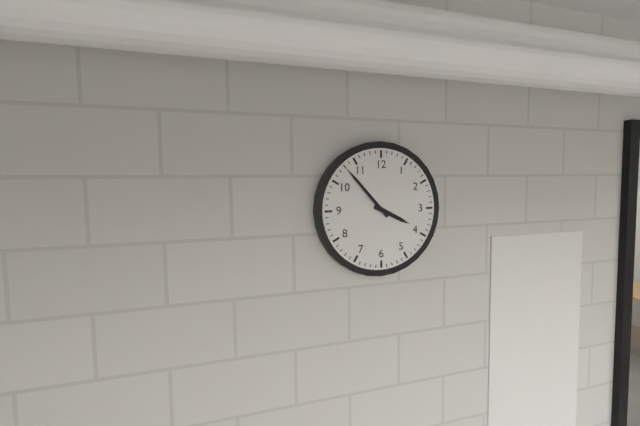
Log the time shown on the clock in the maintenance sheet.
3:53
